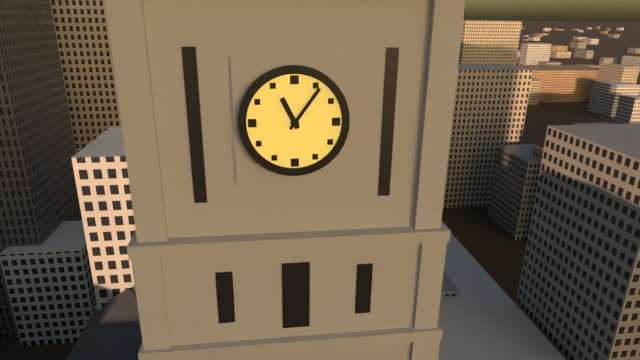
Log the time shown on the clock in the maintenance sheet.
11:06
